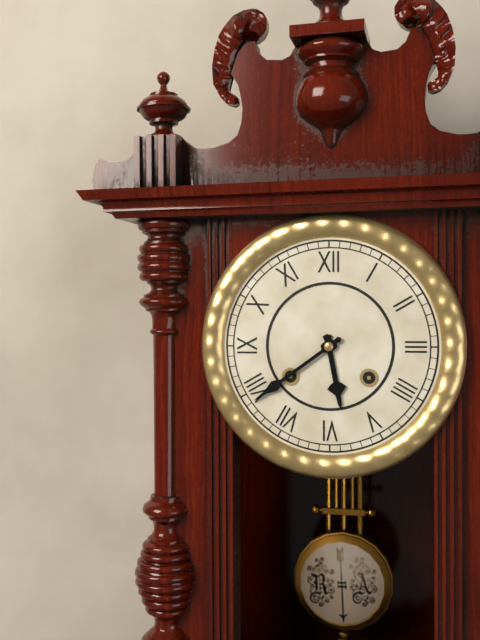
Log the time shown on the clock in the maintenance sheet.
5:39
